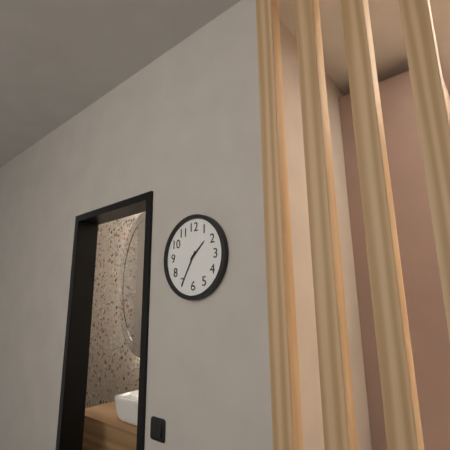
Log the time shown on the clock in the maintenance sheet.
1:35
